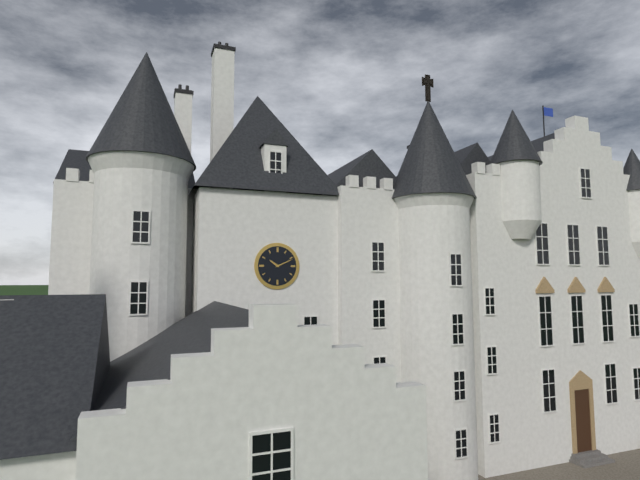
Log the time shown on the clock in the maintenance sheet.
10:11
